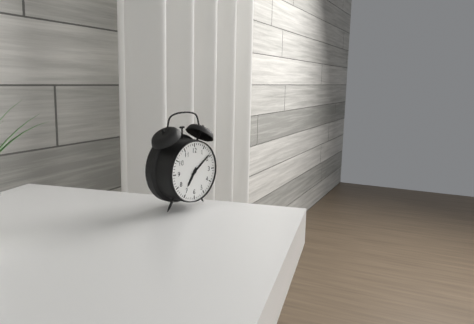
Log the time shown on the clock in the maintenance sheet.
7:09
